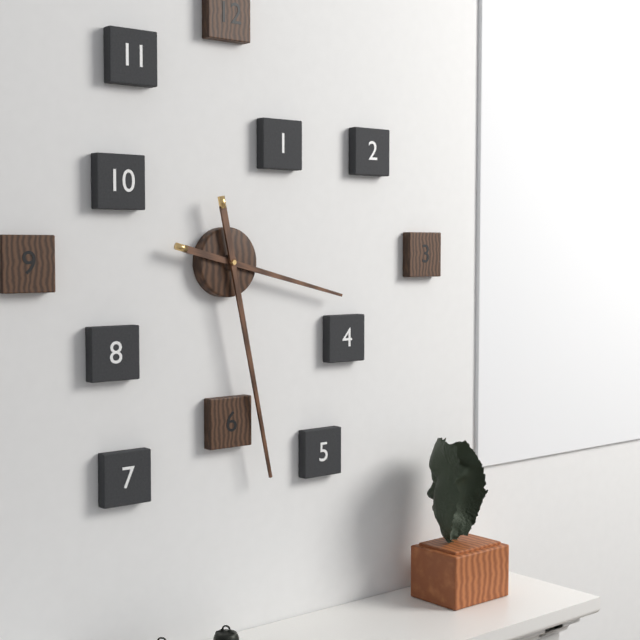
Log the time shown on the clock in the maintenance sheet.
3:28
